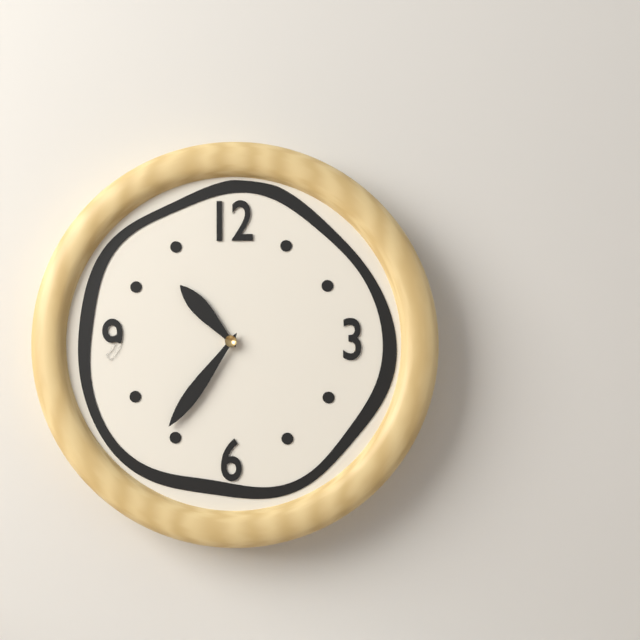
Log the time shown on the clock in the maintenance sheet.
10:36
